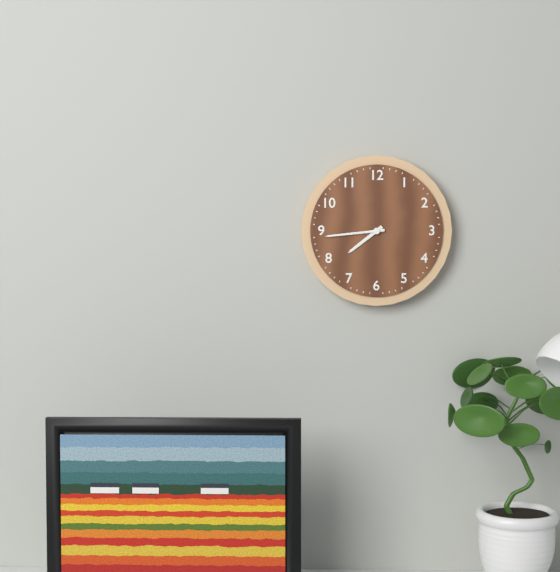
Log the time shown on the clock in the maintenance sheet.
7:44
